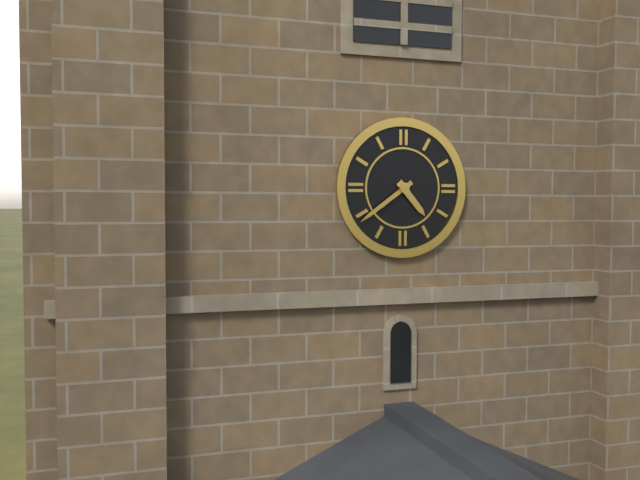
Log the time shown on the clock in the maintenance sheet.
4:39
